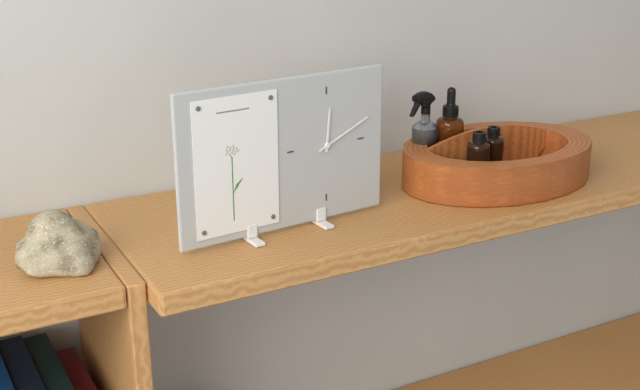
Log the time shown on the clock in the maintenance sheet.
12:11
